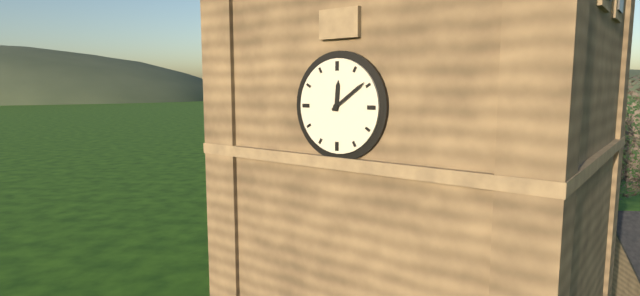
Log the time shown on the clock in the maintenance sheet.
12:09
